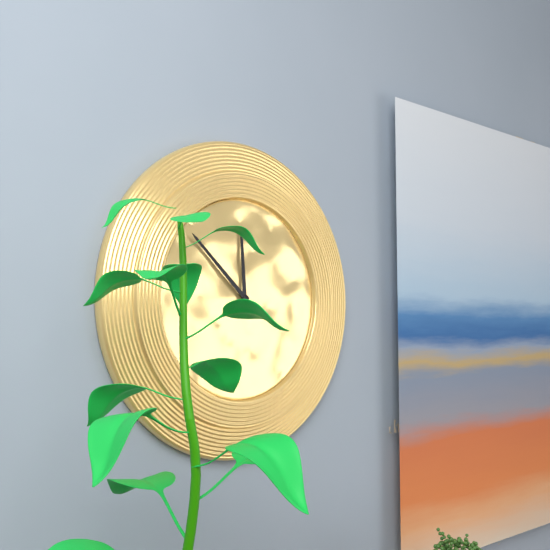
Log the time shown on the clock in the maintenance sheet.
11:52
